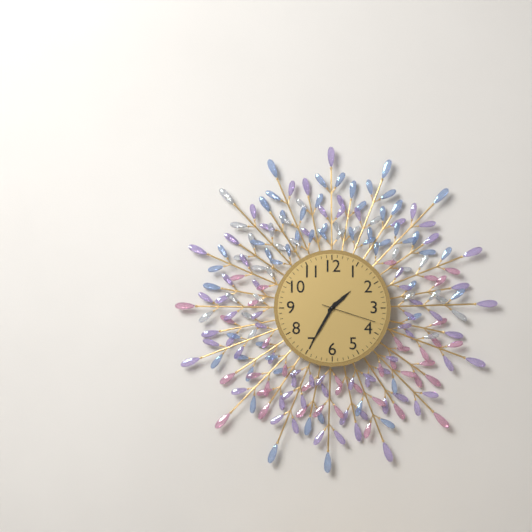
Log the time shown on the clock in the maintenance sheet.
1:35:18
